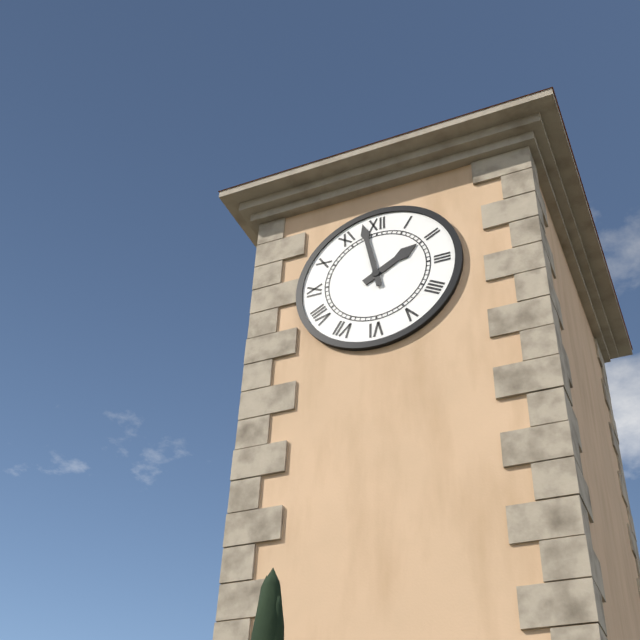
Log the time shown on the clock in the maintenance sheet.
1:58
